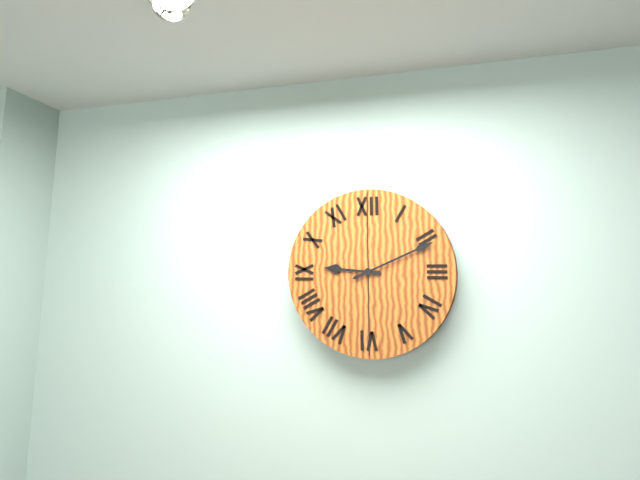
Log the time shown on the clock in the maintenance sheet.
9:11
